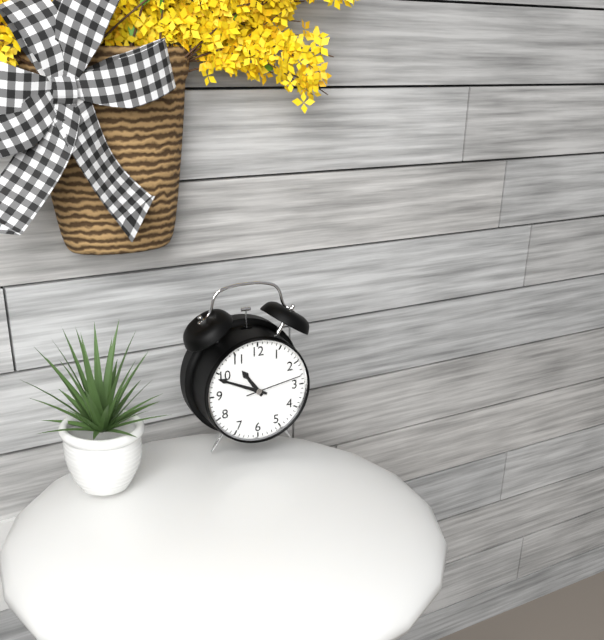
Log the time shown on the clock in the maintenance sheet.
10:49:13
